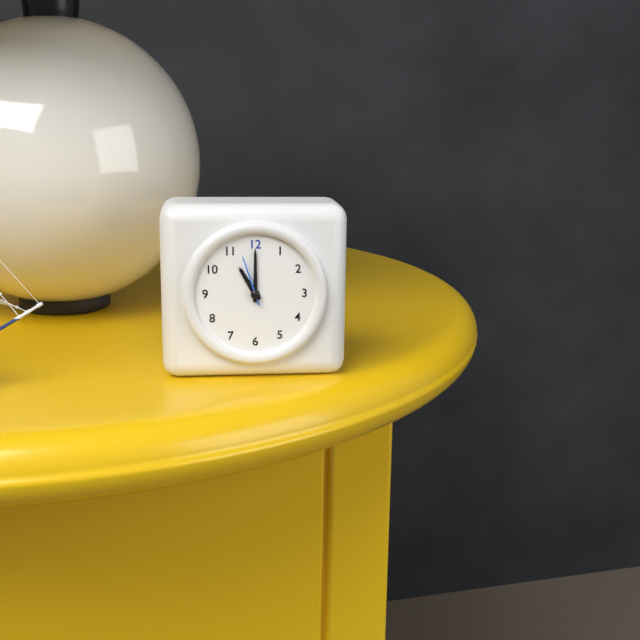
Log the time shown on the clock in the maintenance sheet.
11:00:57
